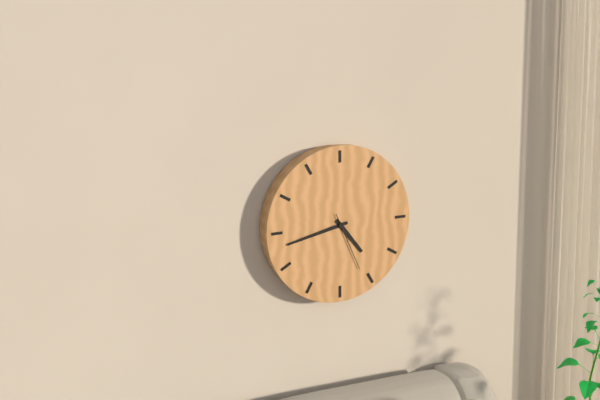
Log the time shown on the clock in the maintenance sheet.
4:43:26
